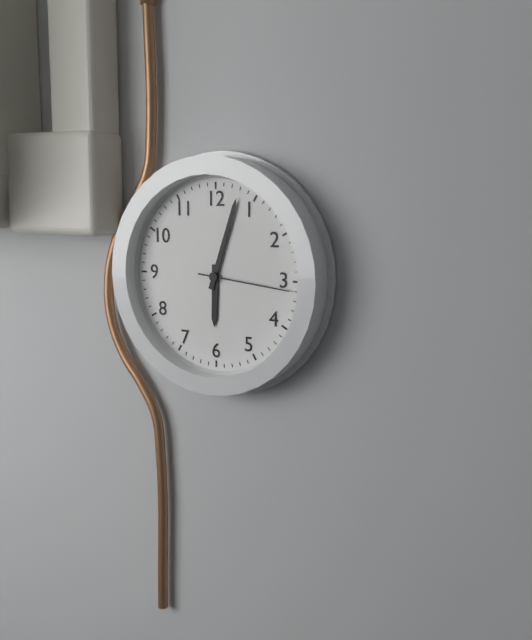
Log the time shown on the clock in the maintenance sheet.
6:03:16
